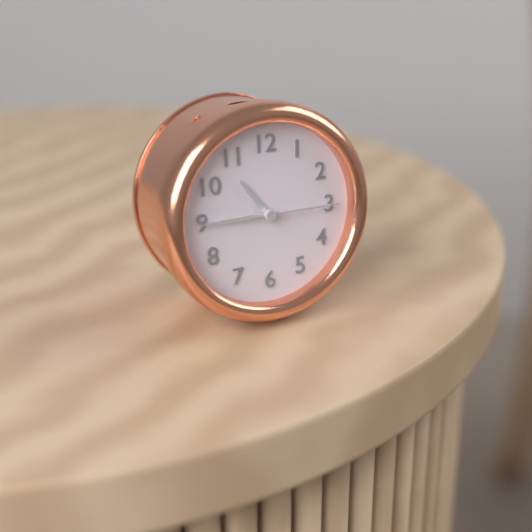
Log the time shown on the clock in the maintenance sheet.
10:45:15
